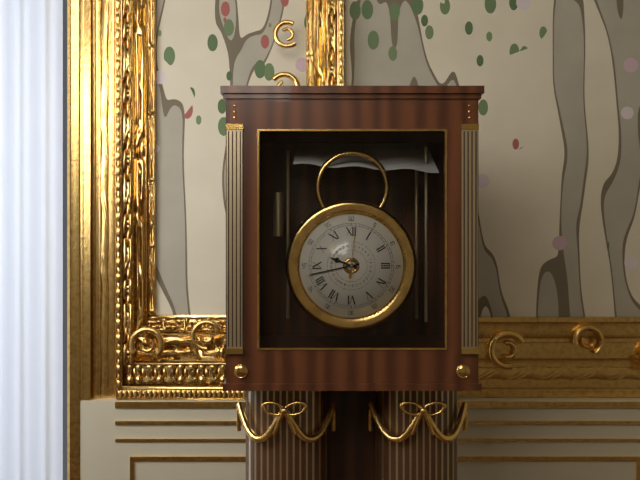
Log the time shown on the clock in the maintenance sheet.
9:43:01
